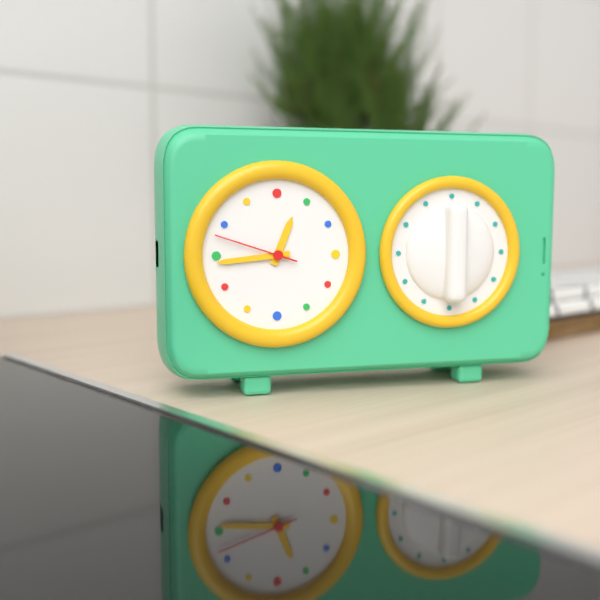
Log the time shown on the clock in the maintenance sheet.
12:44:48
